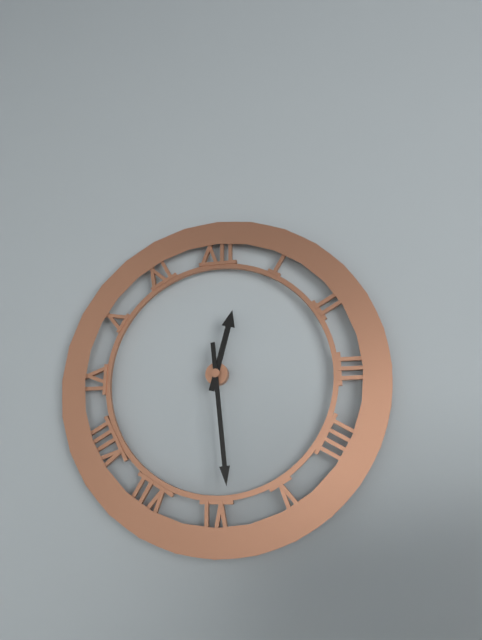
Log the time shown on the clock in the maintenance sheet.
12:29
